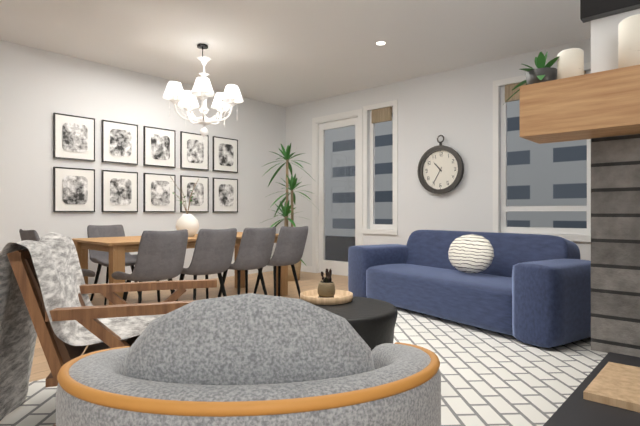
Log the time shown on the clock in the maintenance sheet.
10:35
